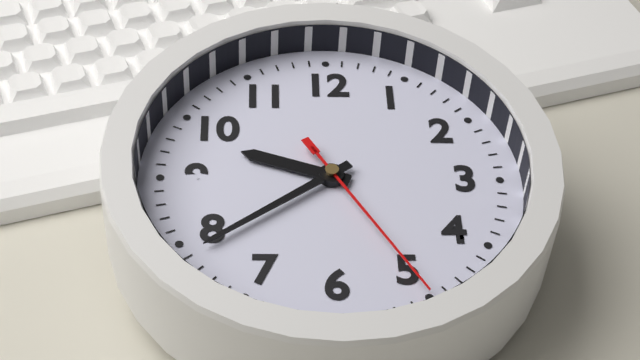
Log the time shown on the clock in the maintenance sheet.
9:39:25
